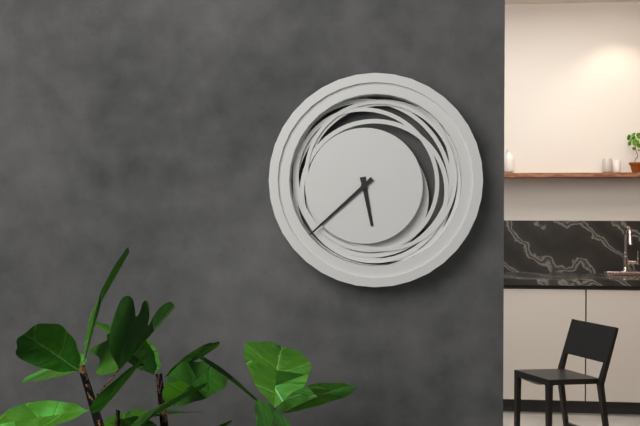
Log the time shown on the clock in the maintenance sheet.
5:38
